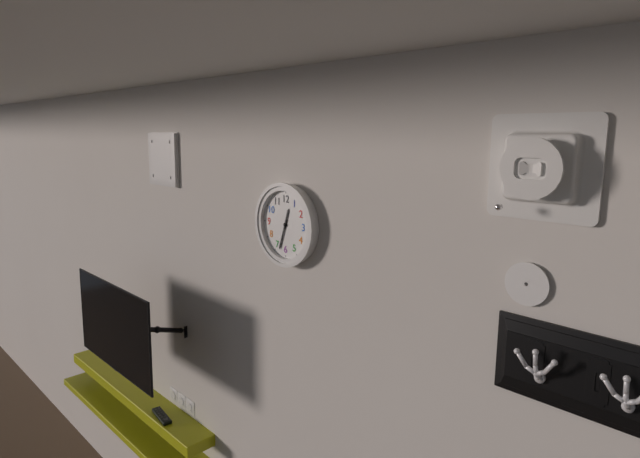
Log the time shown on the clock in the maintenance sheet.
12:33
